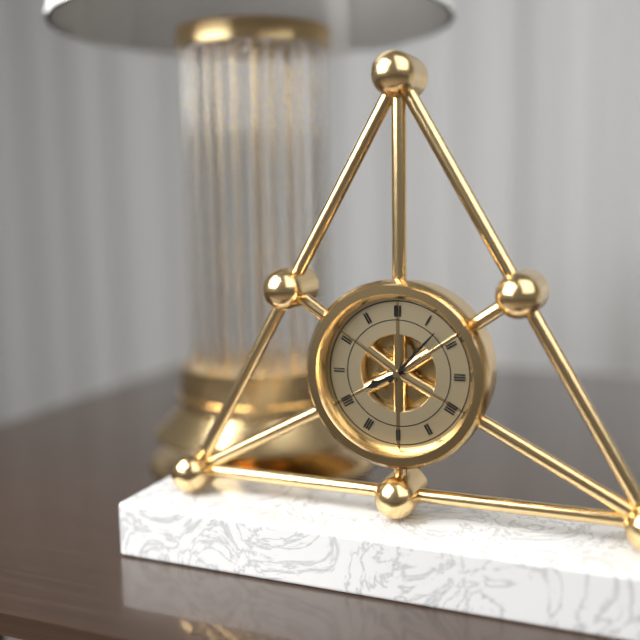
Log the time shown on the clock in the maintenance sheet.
8:07
